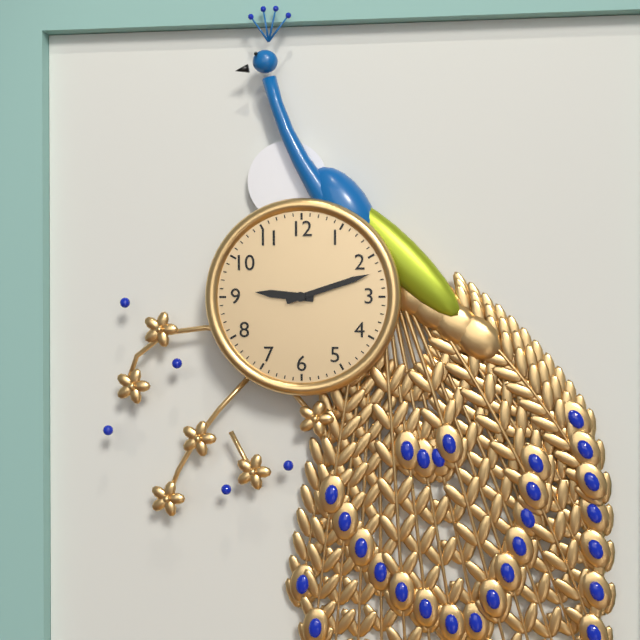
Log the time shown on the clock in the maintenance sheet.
9:12
